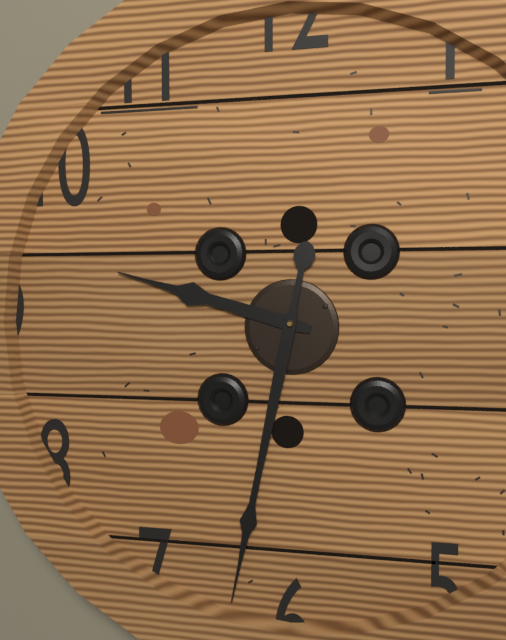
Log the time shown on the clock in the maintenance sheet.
9:32
